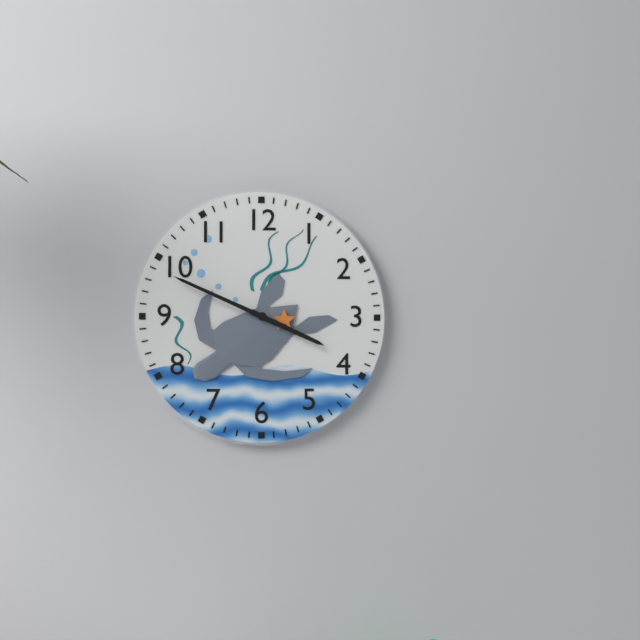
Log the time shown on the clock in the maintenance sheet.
3:49
